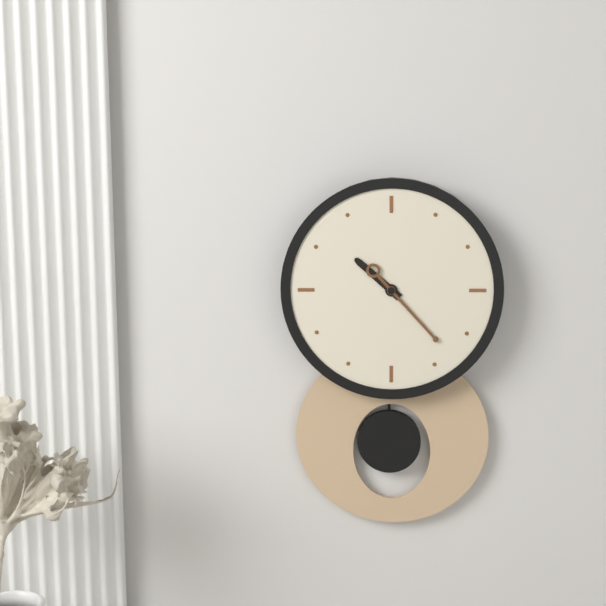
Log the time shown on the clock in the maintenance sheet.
10:23
